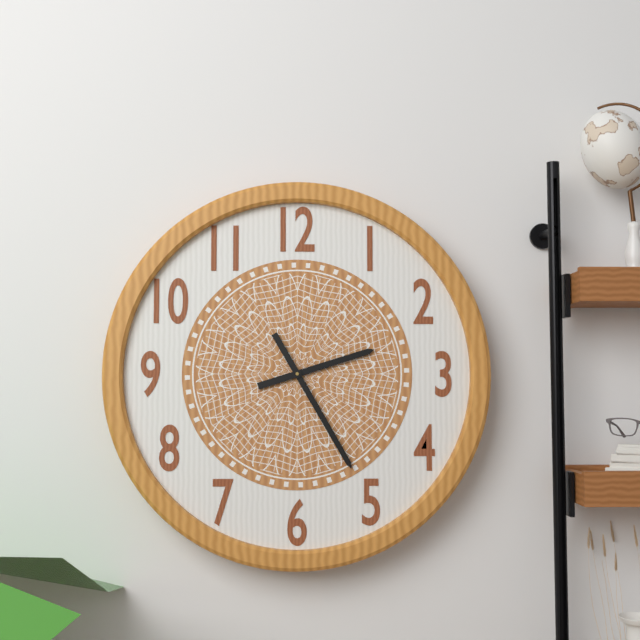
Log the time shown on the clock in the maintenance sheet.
2:25
